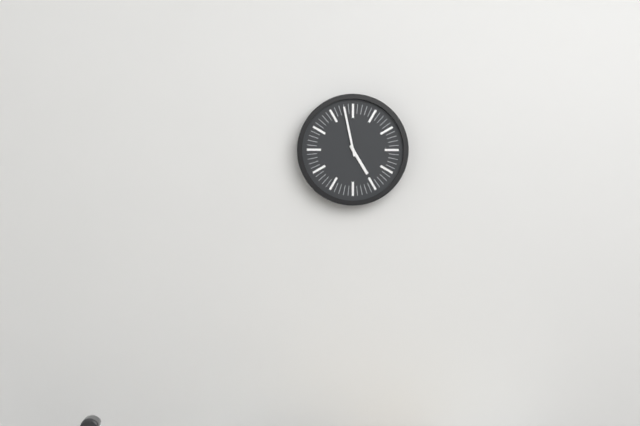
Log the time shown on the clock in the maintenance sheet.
4:58
